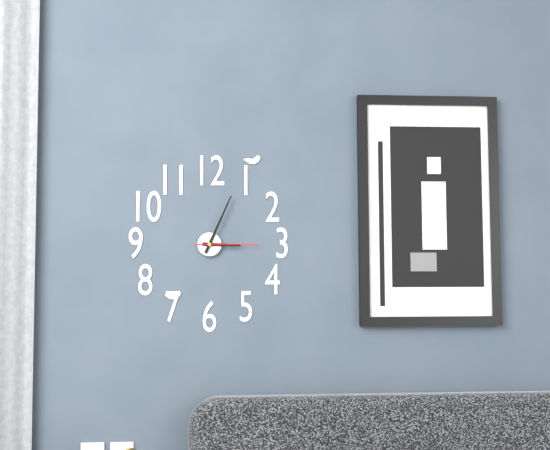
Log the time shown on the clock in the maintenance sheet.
3:04:15
